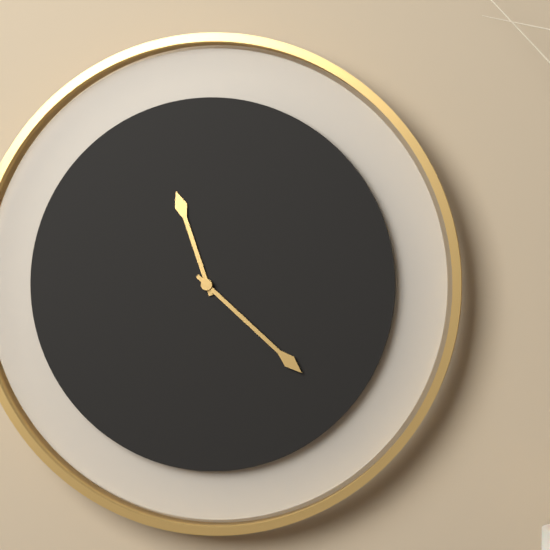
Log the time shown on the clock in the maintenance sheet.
11:22
